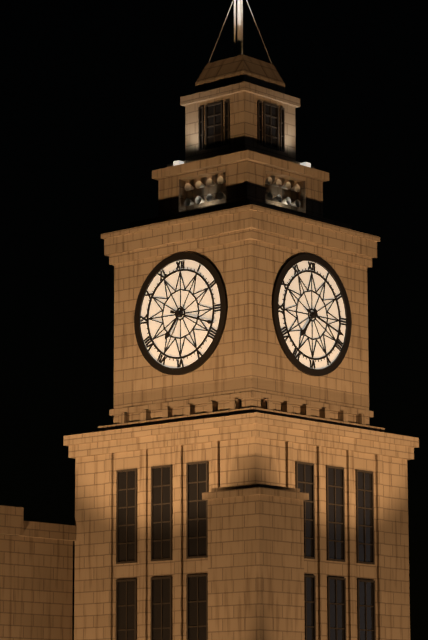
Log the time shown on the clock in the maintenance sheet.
7:18
